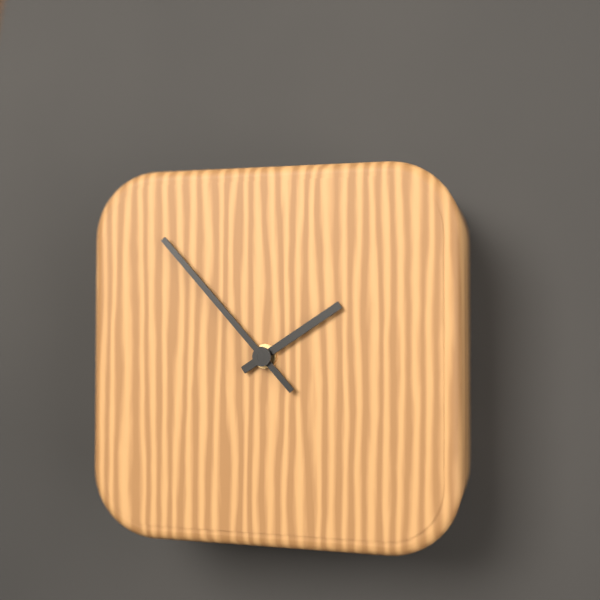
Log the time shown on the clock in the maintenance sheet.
1:53
